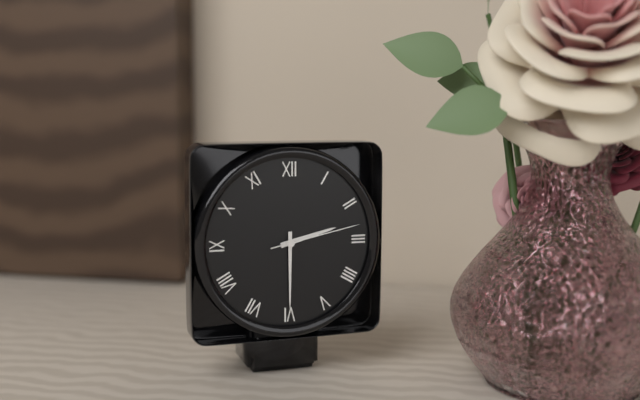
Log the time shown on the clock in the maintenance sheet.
2:30:13
